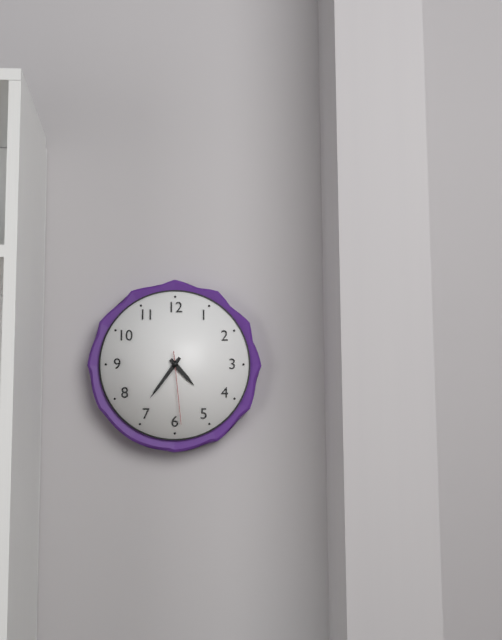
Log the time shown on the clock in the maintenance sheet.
4:36:29
